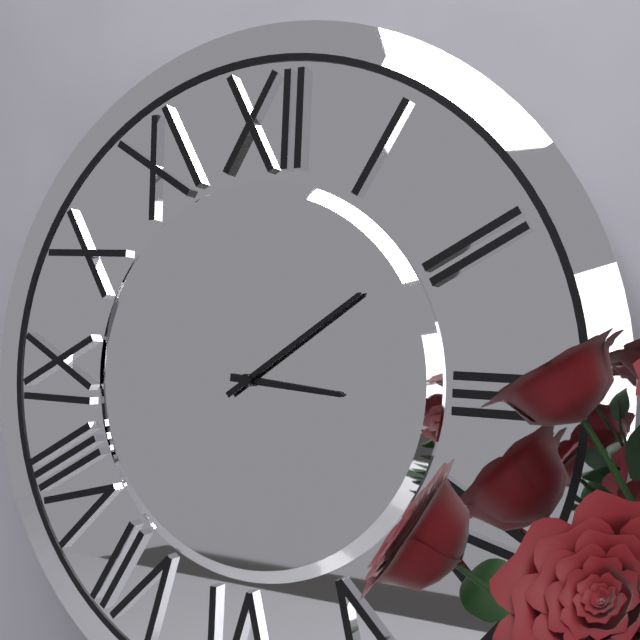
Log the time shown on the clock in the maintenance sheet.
3:09
